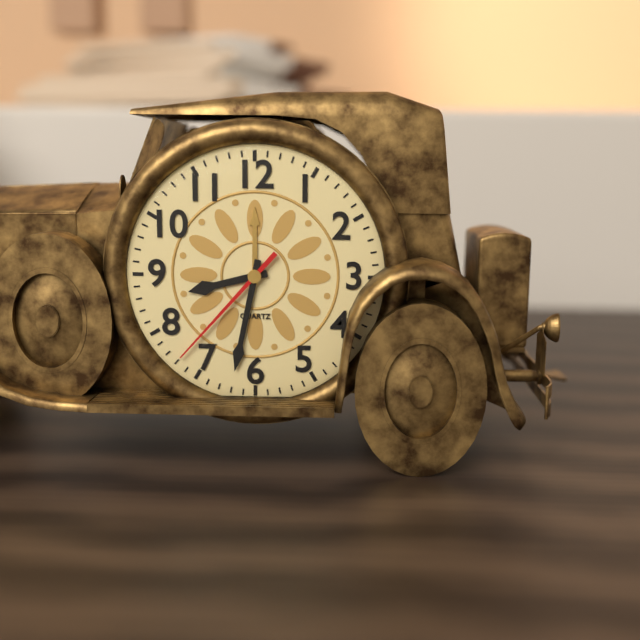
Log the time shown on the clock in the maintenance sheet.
8:32:37
